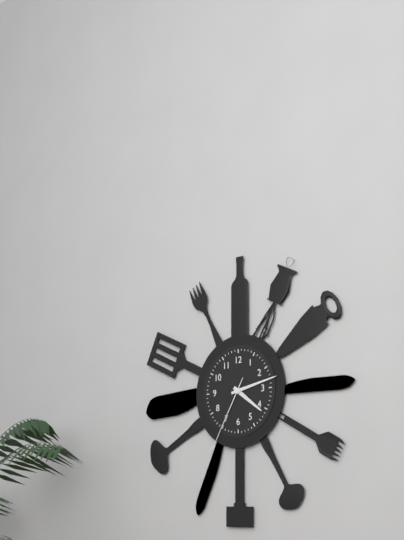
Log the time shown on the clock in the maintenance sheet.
4:13:35
